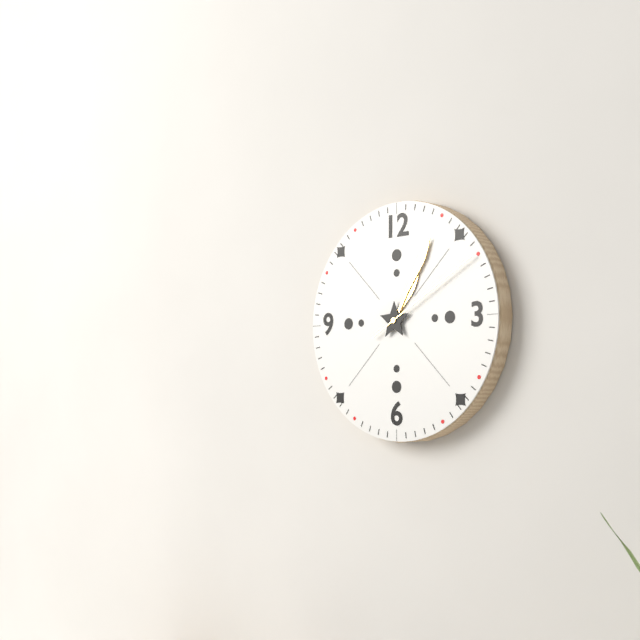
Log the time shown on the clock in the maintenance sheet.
1:05:10
